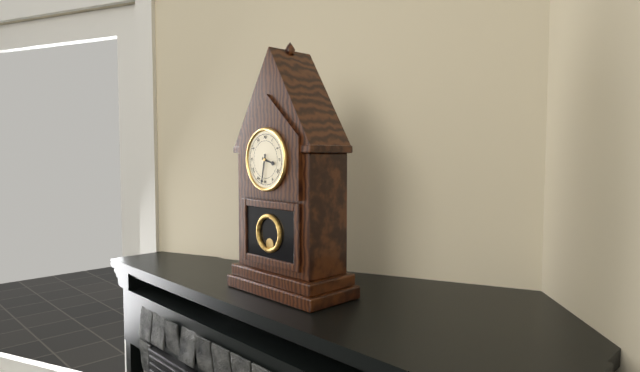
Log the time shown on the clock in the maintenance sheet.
3:32
